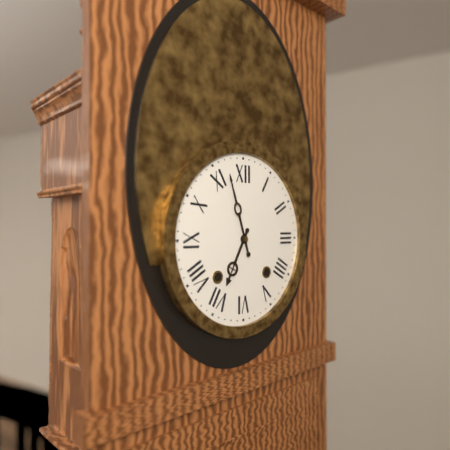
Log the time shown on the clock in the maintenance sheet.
6:57
